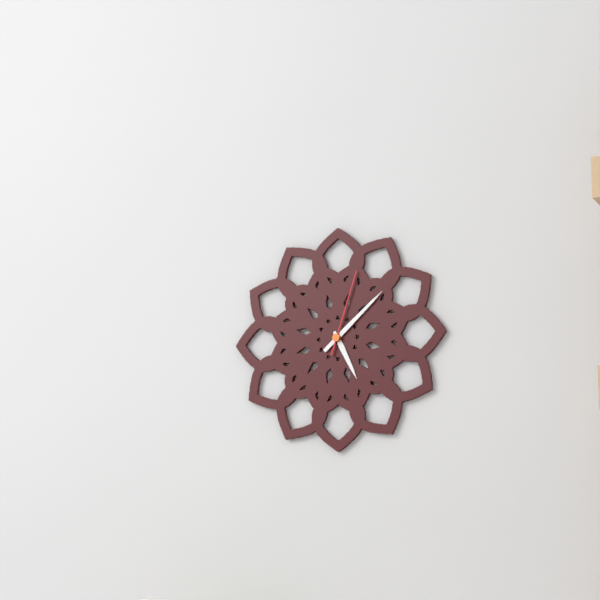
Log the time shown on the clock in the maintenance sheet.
5:08:03
